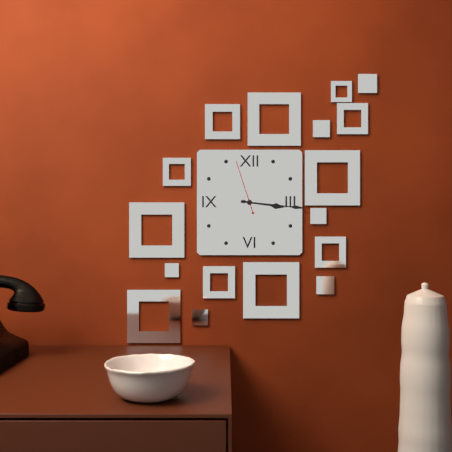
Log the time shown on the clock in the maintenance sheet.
3:16:57
